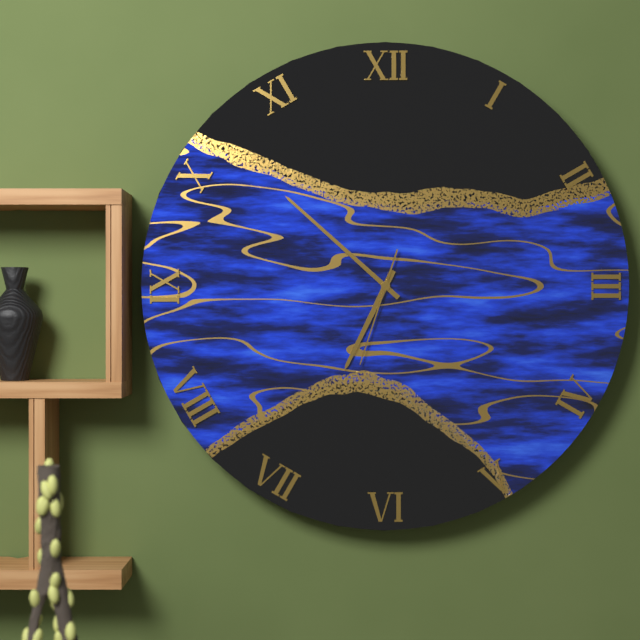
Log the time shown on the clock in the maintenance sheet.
6:52:33
